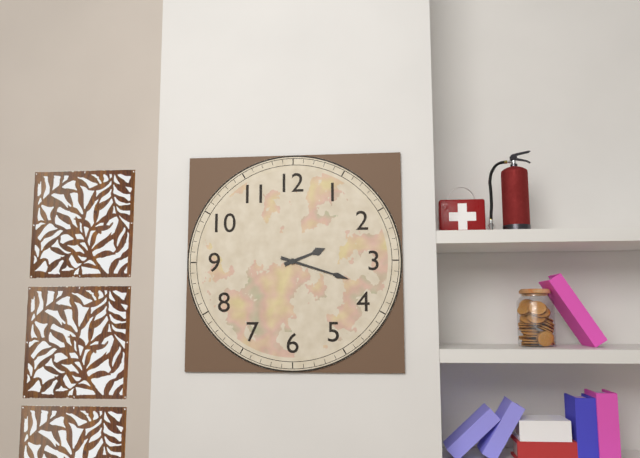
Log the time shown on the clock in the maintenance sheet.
2:18
